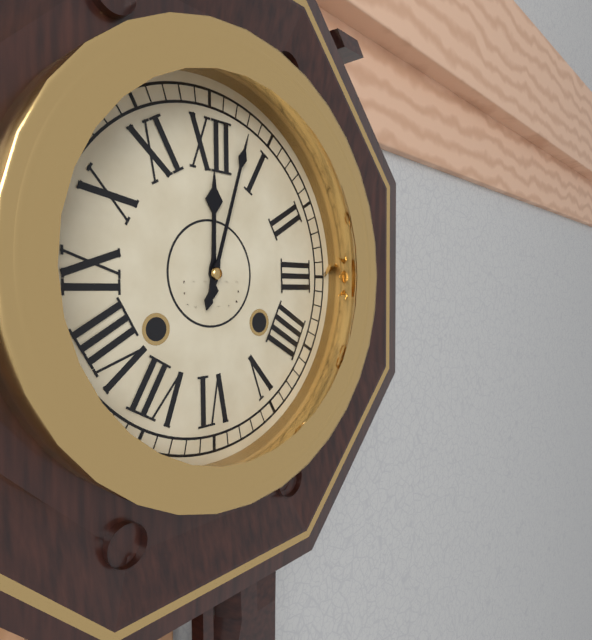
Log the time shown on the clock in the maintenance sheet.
12:03
